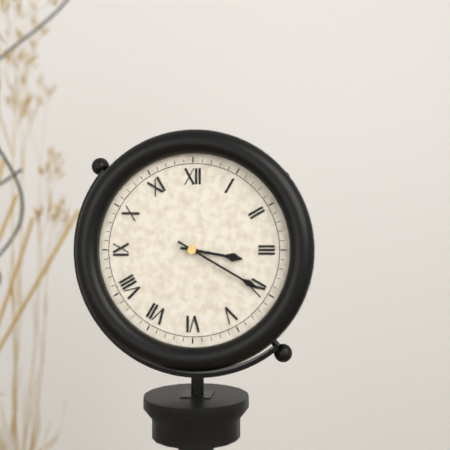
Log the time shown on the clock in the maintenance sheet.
3:20
